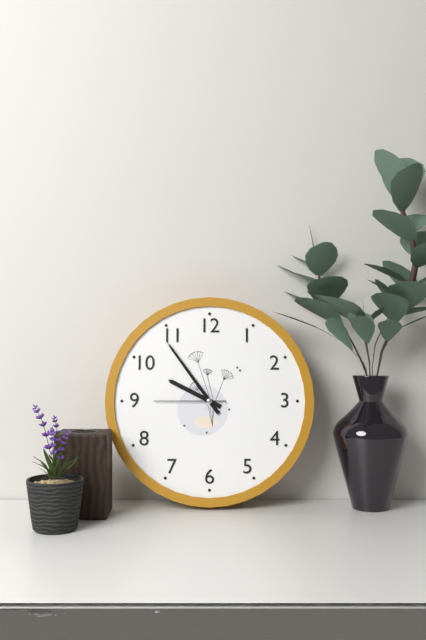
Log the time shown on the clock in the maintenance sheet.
9:54:45
